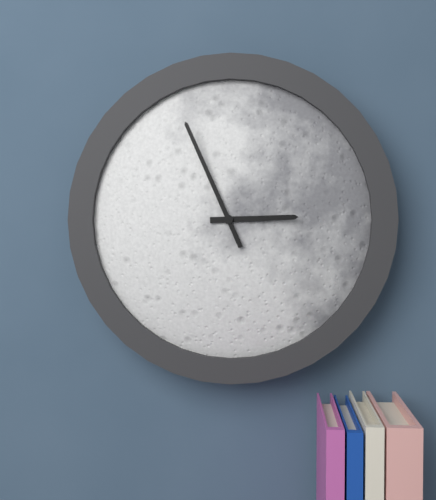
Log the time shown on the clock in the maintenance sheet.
2:56
